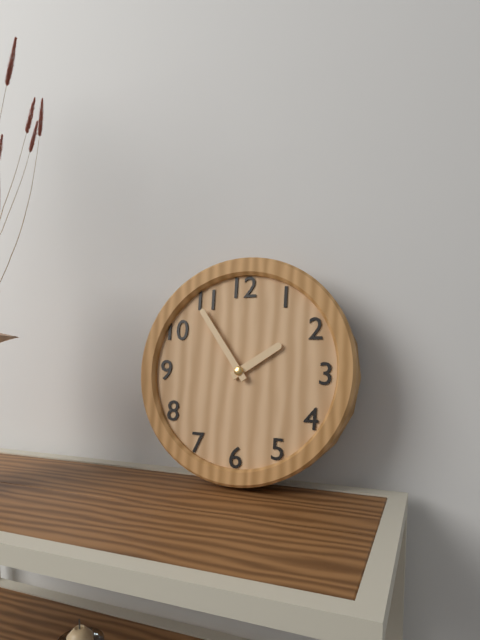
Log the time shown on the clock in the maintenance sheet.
1:54
